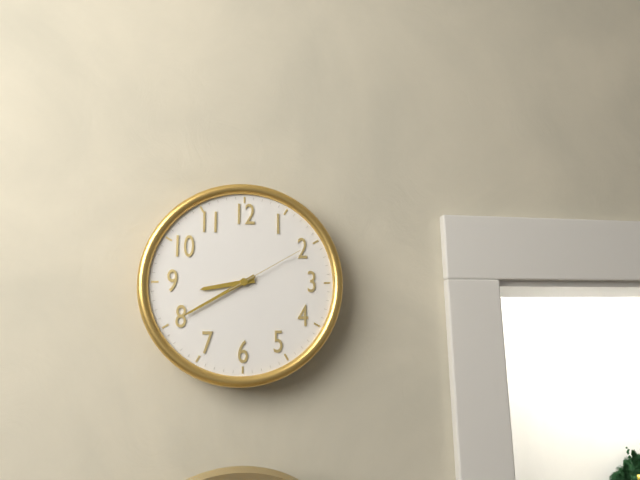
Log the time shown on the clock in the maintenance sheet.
8:40:10
